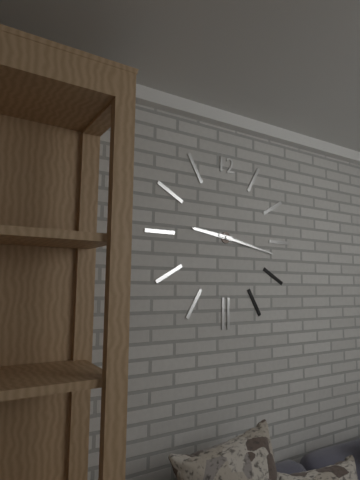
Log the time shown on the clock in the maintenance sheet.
9:17
